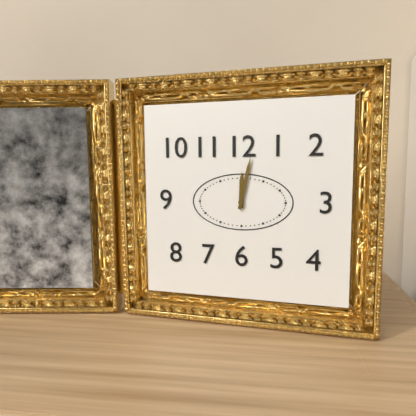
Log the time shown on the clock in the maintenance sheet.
12:02
